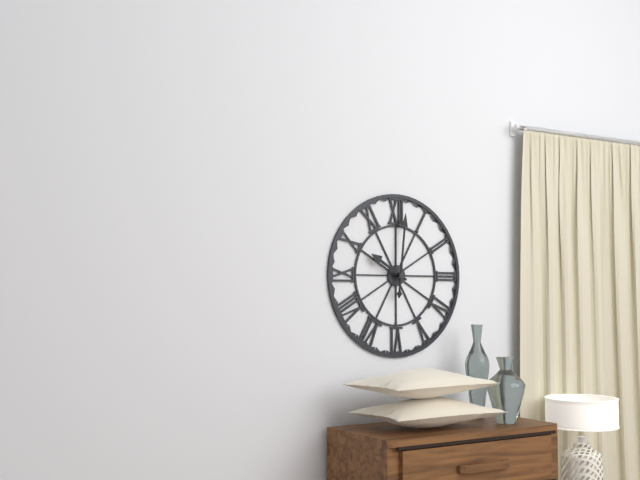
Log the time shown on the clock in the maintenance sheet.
10:01
